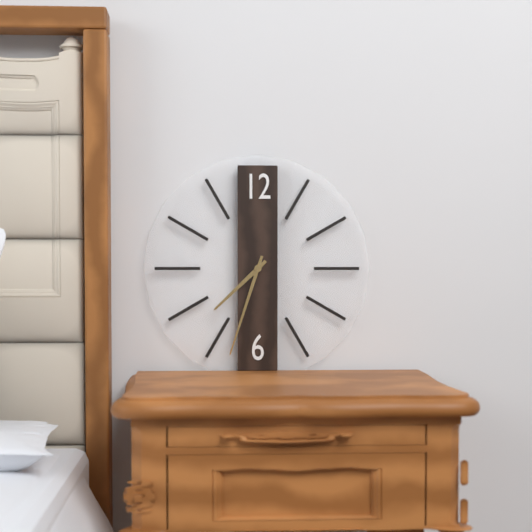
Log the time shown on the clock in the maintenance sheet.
7:33
